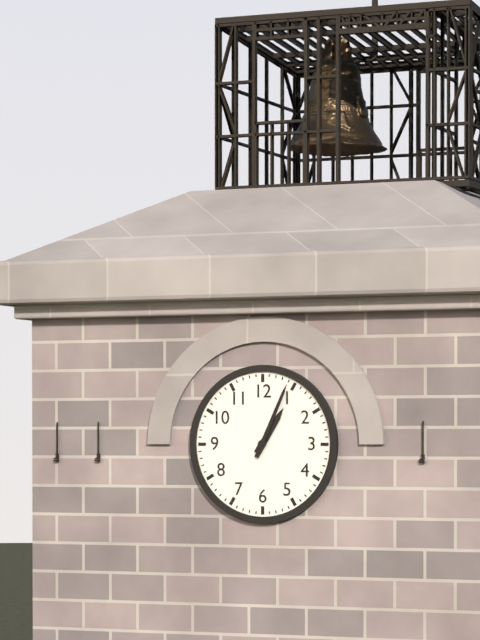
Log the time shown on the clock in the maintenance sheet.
1:04
